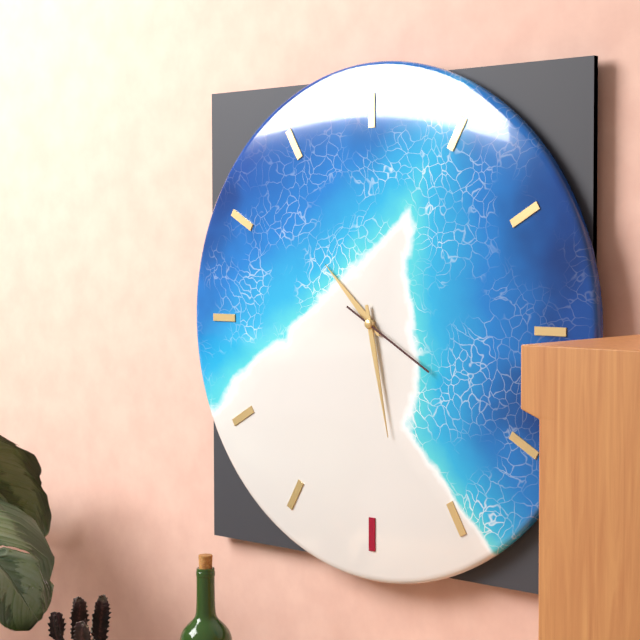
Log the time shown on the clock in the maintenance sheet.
10:28:20
